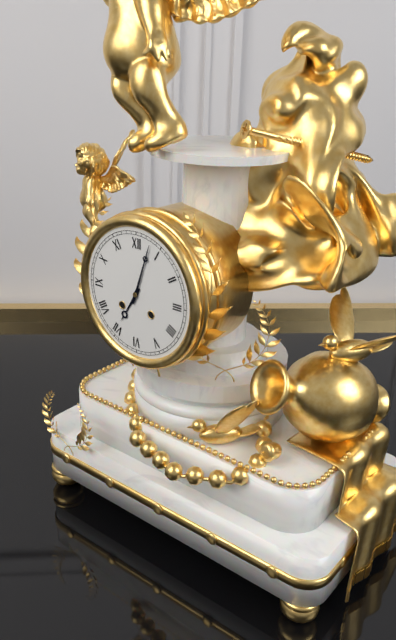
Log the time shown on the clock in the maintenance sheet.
7:03
